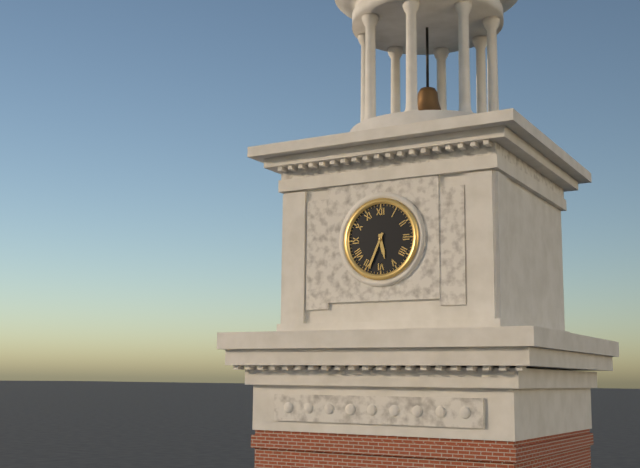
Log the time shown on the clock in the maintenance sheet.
5:34
